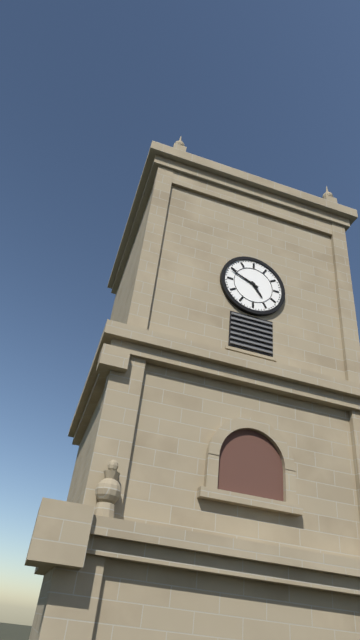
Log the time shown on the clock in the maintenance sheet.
4:49
